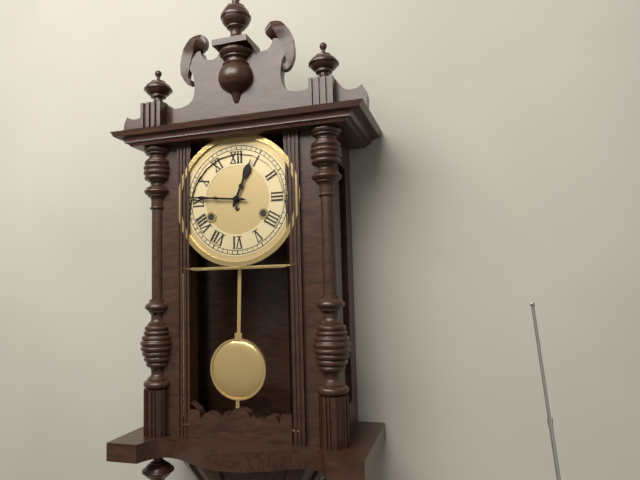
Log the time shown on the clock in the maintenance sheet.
12:46
